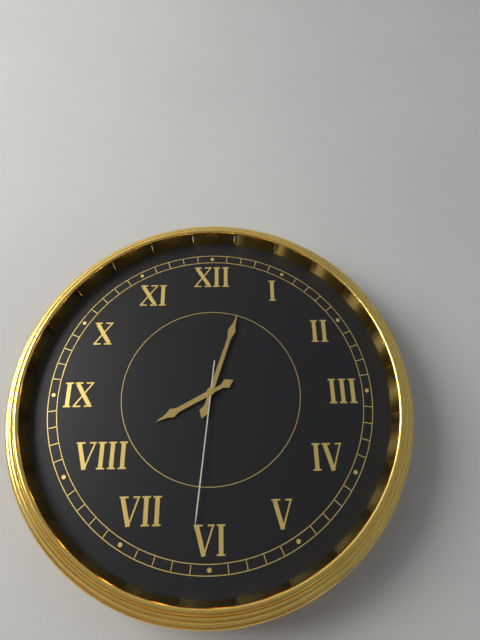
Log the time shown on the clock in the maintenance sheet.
8:03:31
